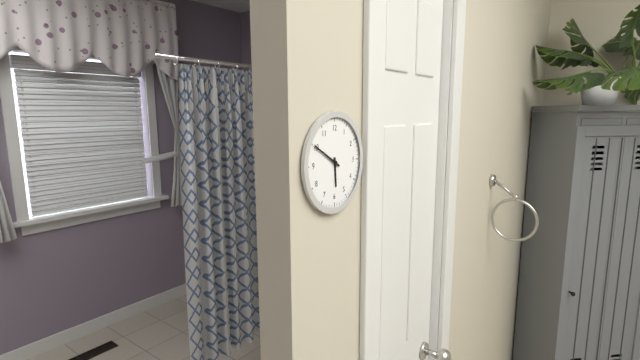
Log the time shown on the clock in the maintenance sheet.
5:50
